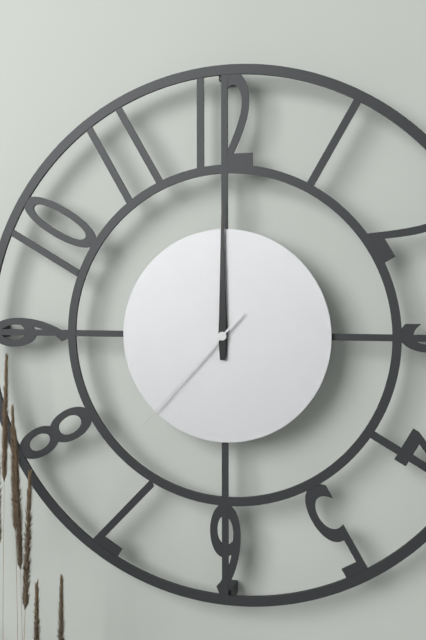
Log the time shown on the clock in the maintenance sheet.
12:00:37
